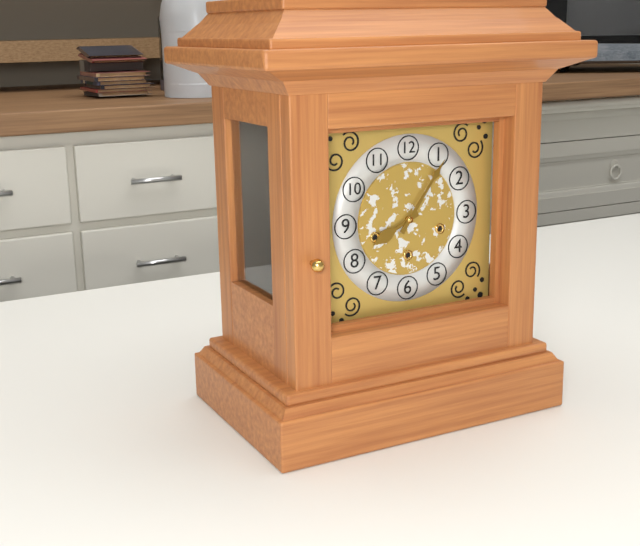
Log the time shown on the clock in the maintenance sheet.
8:06
